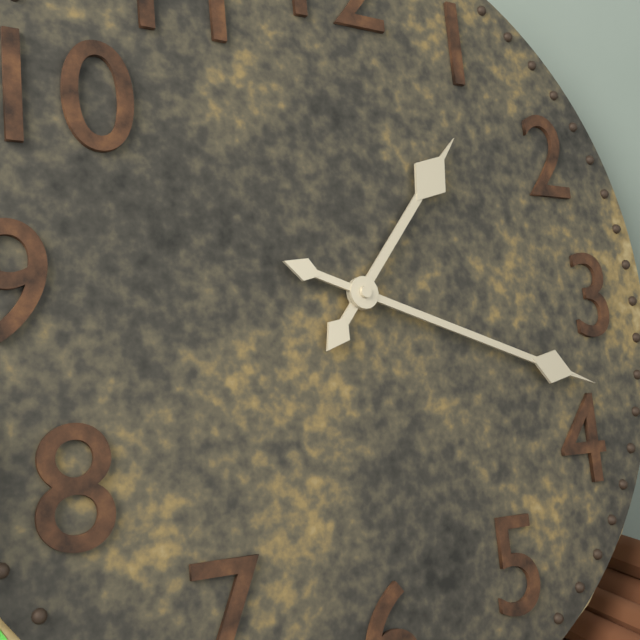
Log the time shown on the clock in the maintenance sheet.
1:18
